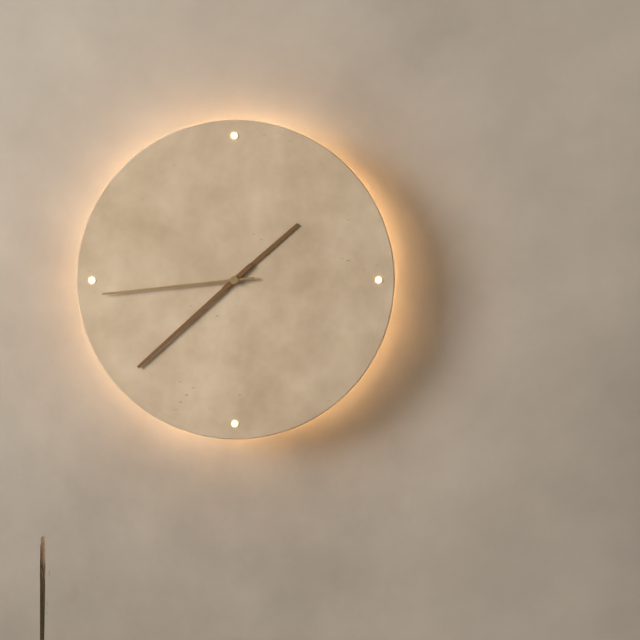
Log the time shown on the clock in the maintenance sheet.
1:38:44
